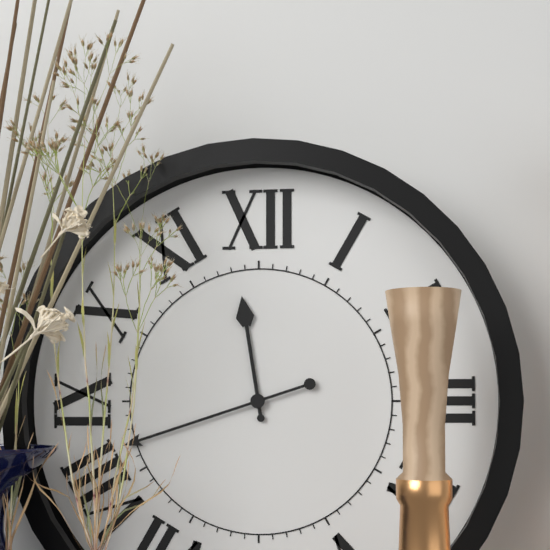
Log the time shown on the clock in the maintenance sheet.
11:42
